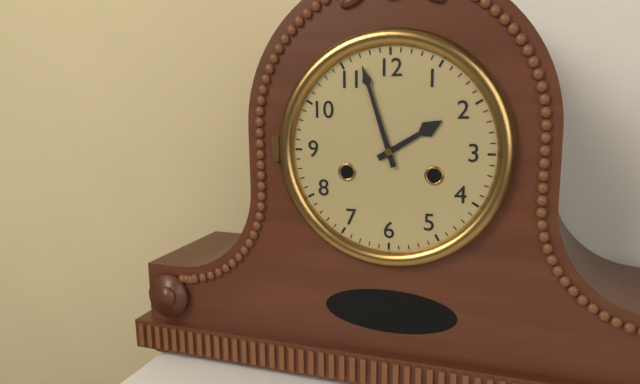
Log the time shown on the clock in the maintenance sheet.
1:57
